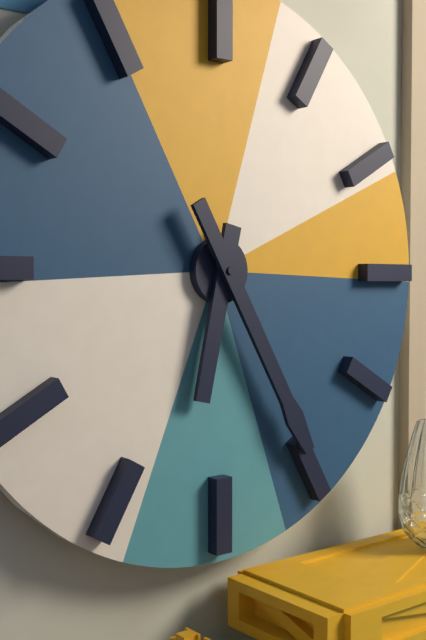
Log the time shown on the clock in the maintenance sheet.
6:25
